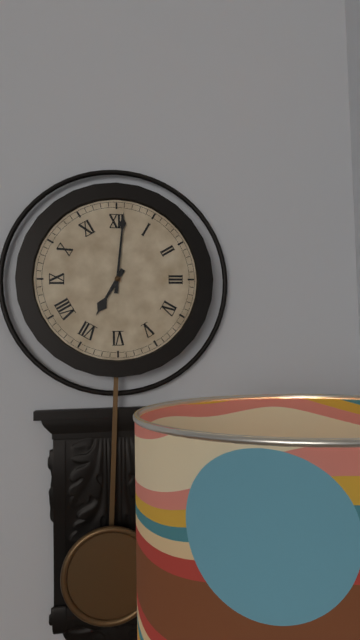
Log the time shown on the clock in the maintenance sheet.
7:01
